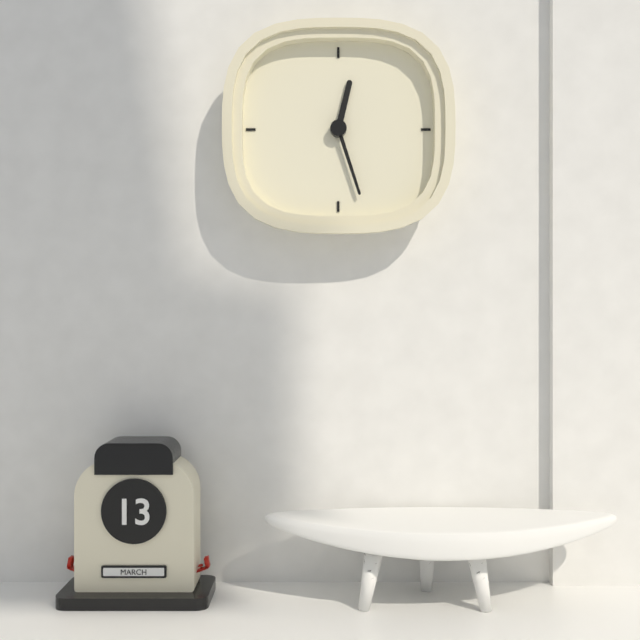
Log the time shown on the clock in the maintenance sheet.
12:27
